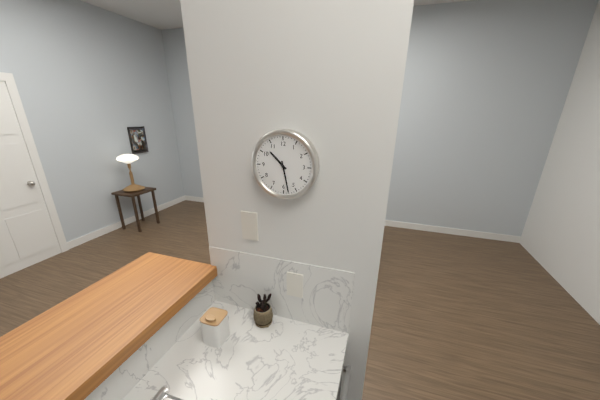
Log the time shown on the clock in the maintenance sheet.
10:28
